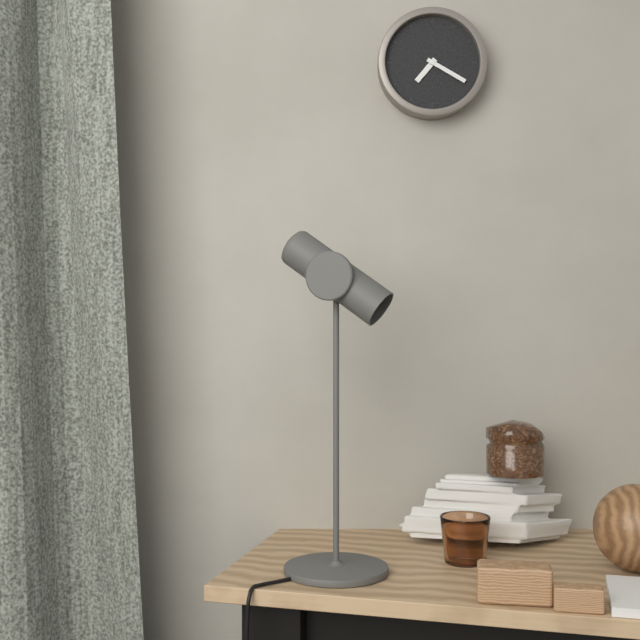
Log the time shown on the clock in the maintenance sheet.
7:20
